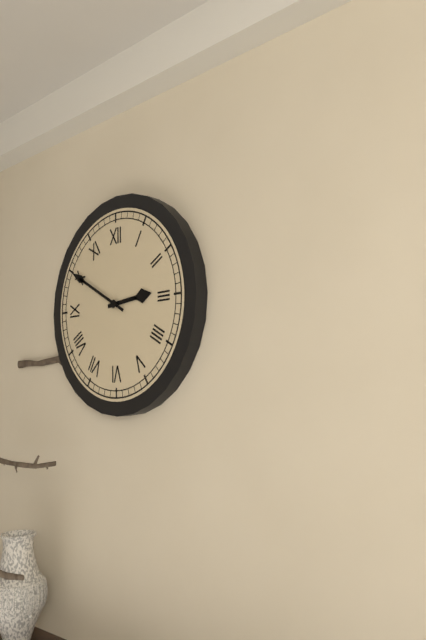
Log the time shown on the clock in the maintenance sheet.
2:50
